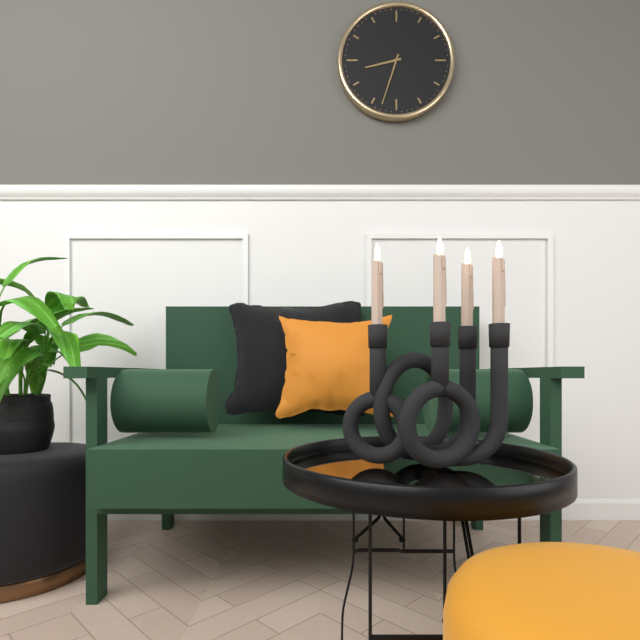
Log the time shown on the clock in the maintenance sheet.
8:33
